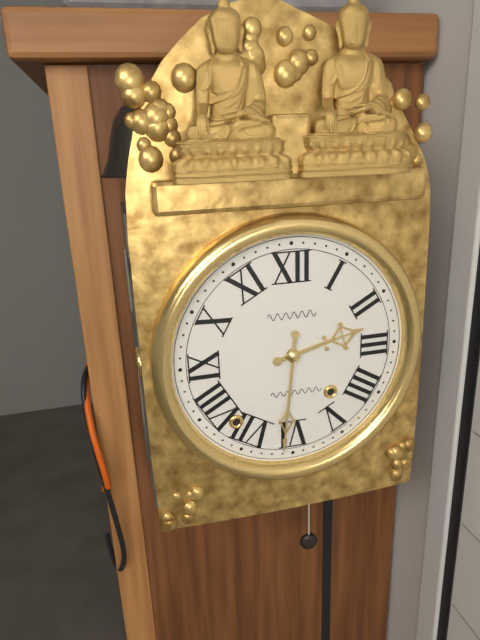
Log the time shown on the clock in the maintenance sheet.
2:31
